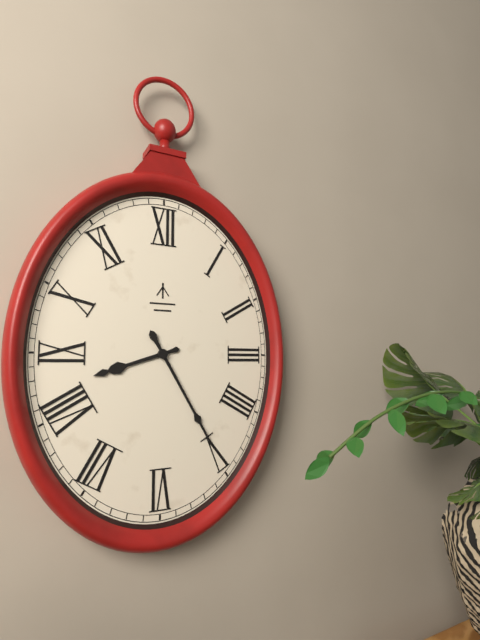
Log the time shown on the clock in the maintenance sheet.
8:25
